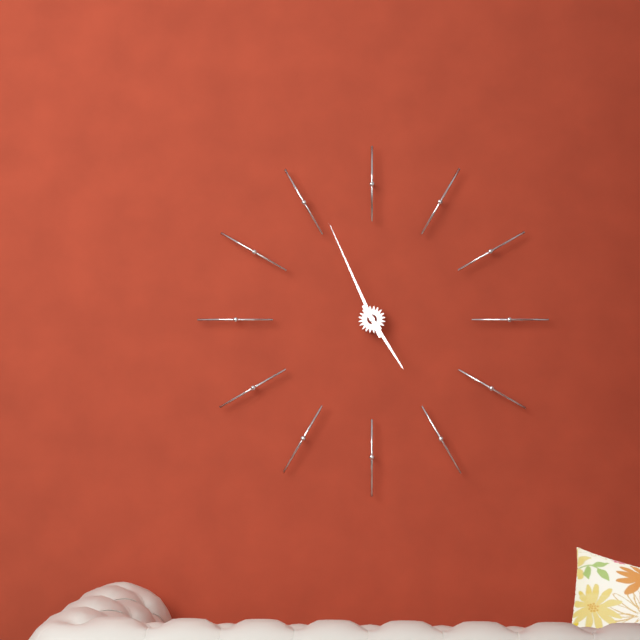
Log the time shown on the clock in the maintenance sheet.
4:56
